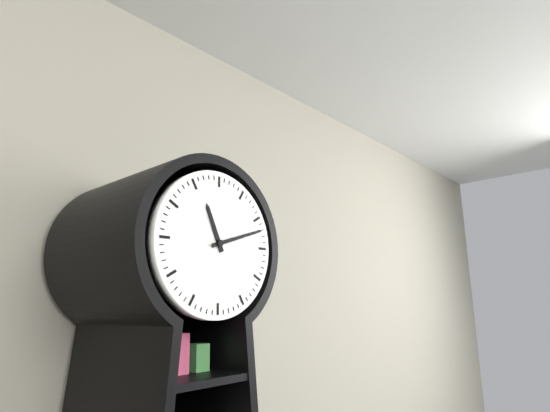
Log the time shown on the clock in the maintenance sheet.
11:12
